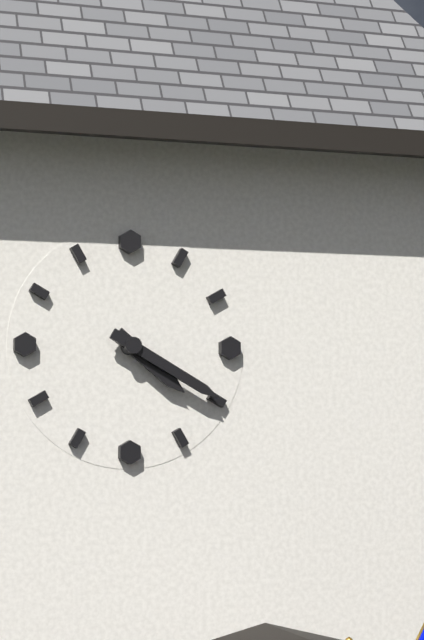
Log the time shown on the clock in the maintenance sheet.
4:20
